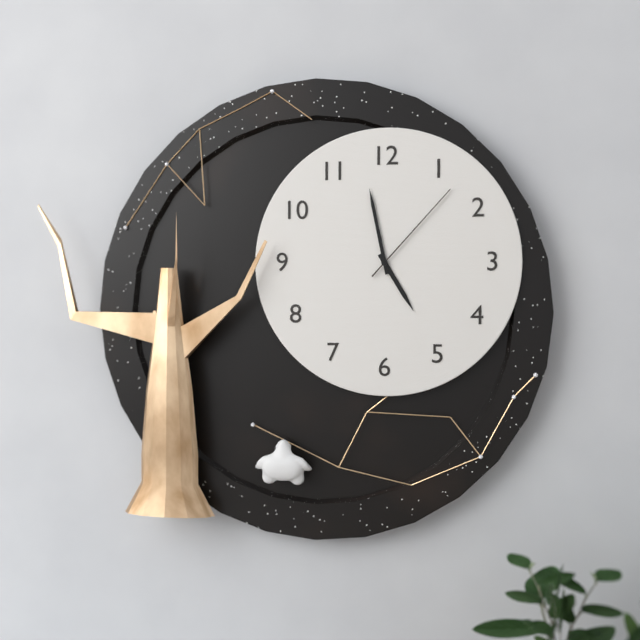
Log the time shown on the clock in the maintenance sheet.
4:58:07
